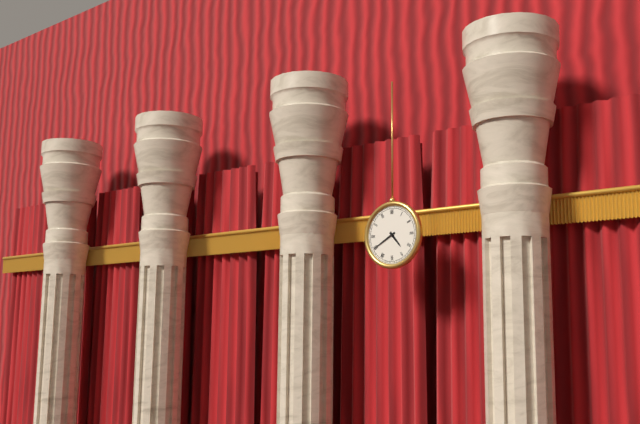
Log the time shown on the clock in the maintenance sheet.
4:40
